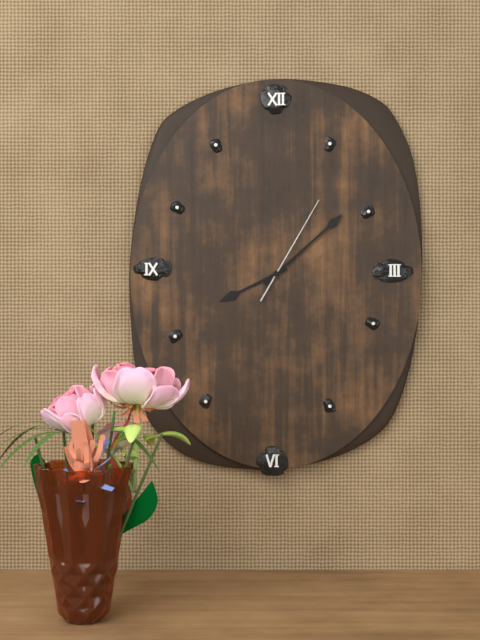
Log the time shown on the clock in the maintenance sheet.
8:08:05
